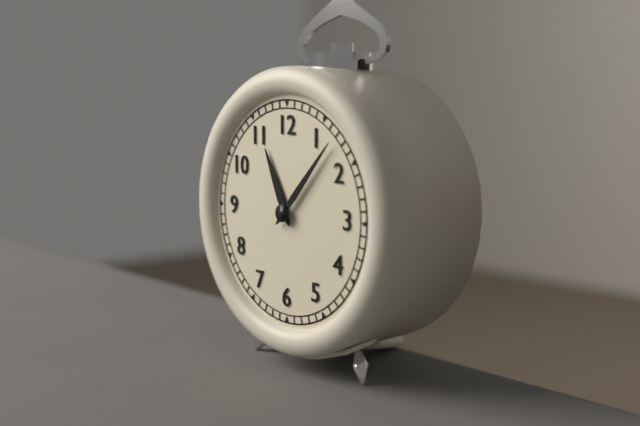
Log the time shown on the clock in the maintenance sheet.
11:07
